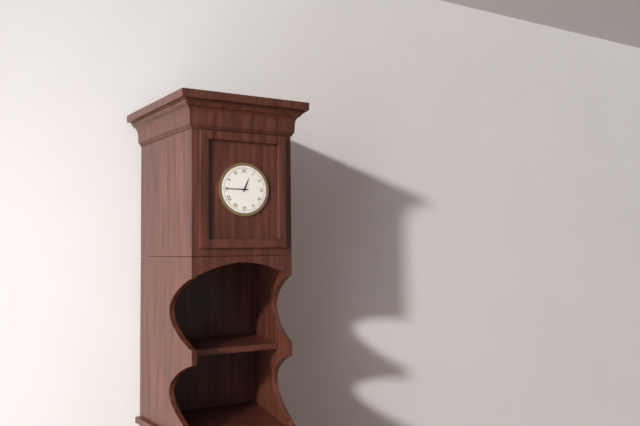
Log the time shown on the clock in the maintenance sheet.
12:45
